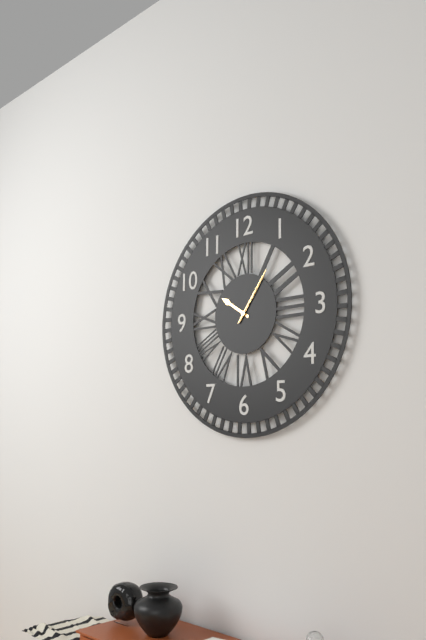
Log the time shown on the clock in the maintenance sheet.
10:06:06
